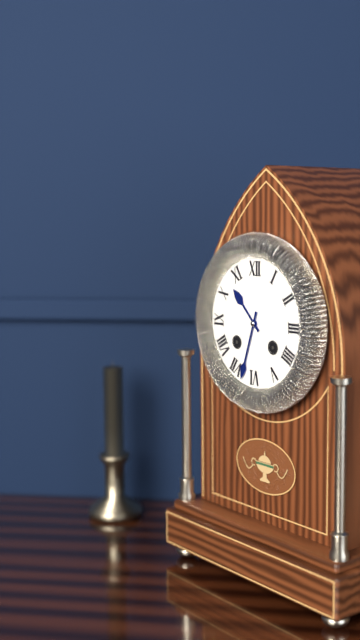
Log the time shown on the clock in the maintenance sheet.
10:33
